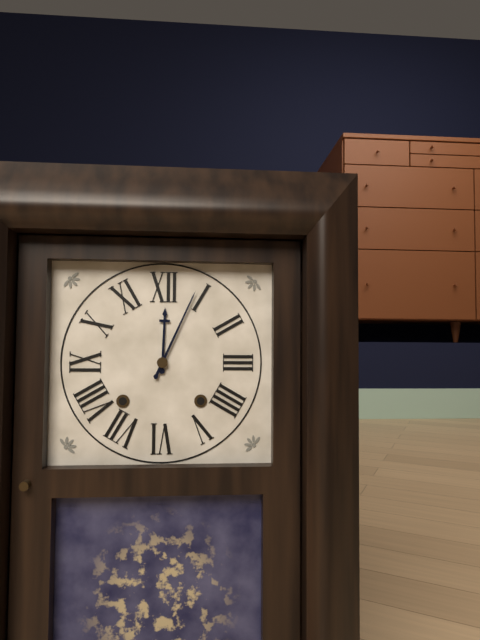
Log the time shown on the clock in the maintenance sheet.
12:04
